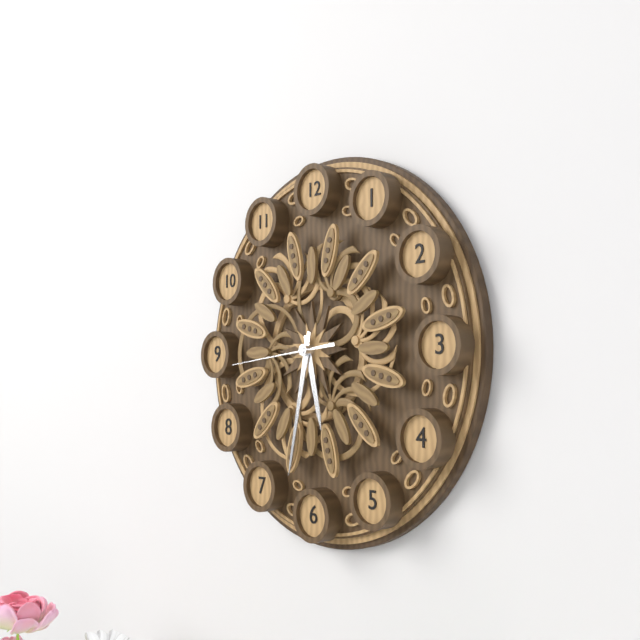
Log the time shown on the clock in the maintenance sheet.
5:32:44
